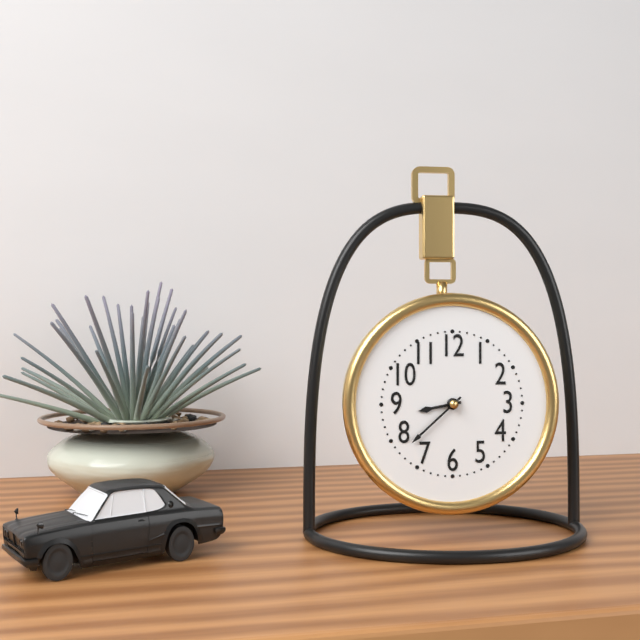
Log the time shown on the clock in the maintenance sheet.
8:38
